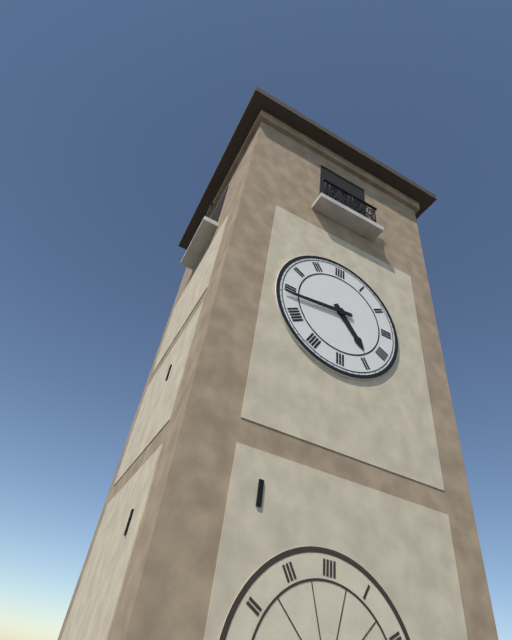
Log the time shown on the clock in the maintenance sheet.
4:44
